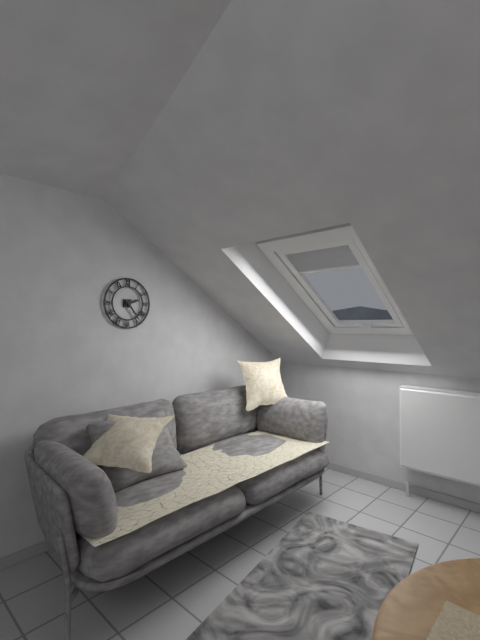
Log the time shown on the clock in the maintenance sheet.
2:24
